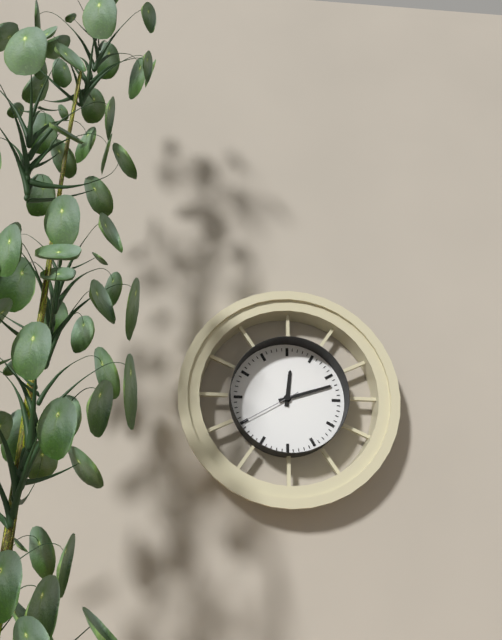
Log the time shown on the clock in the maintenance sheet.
12:12:40
